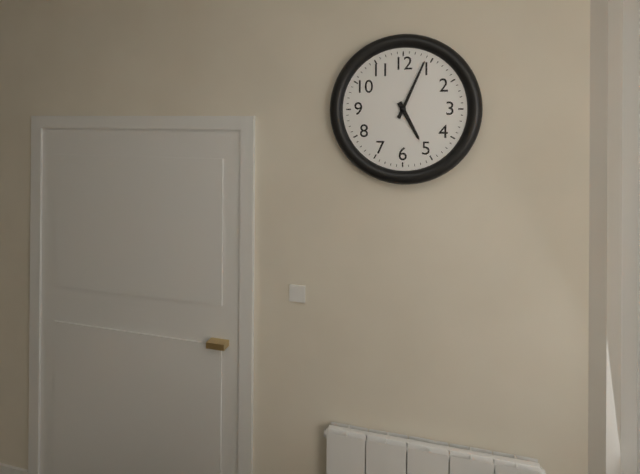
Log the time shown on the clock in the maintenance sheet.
5:04
